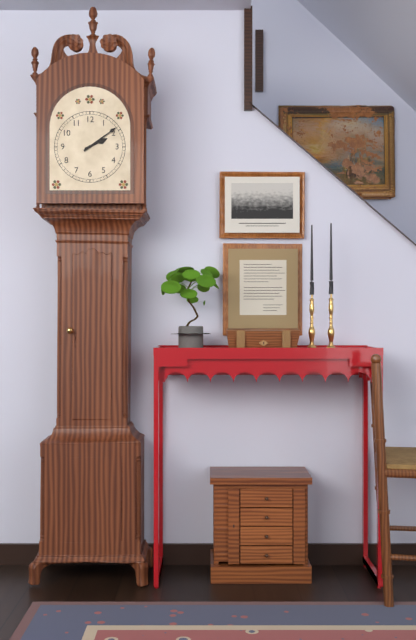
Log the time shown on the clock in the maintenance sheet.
2:09
